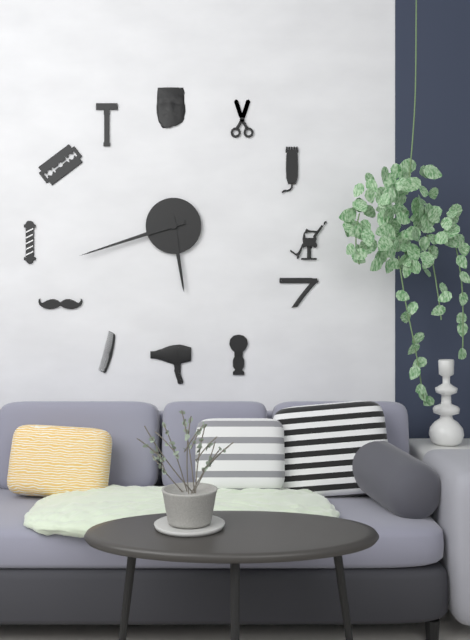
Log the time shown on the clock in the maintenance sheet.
5:42
